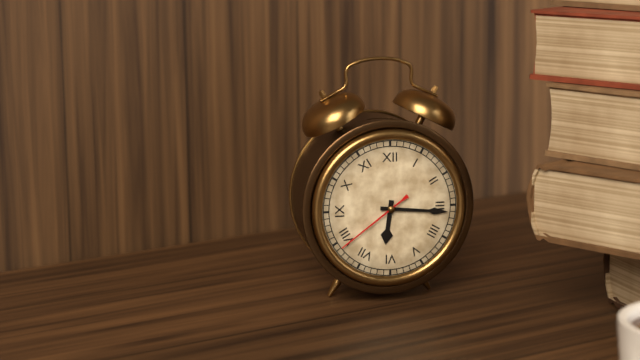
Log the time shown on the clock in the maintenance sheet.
6:16:39
